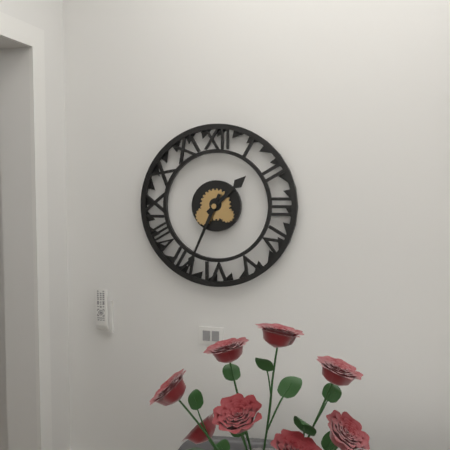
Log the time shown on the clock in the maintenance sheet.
1:34
